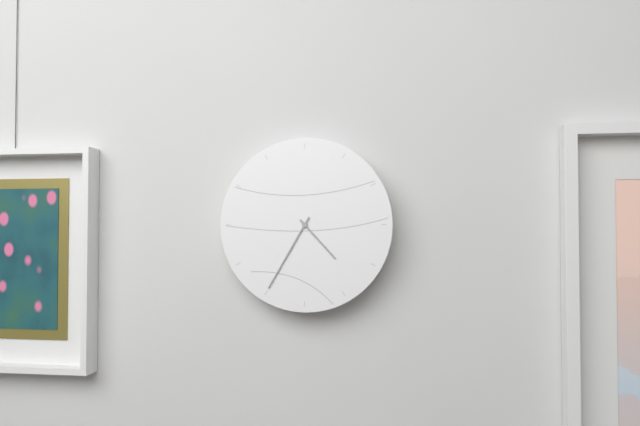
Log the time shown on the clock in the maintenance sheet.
4:35
